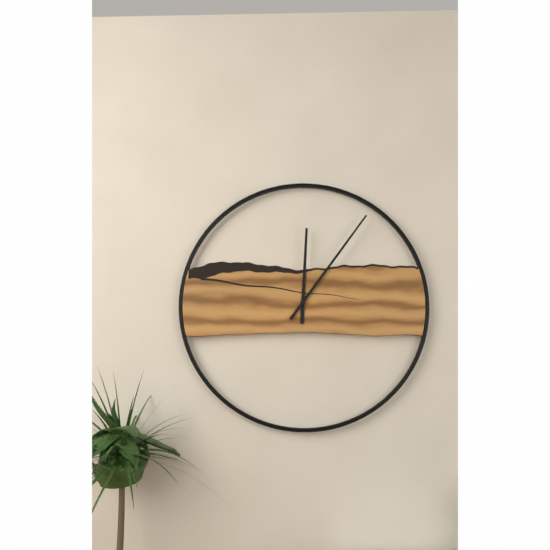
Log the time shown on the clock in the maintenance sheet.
12:06
